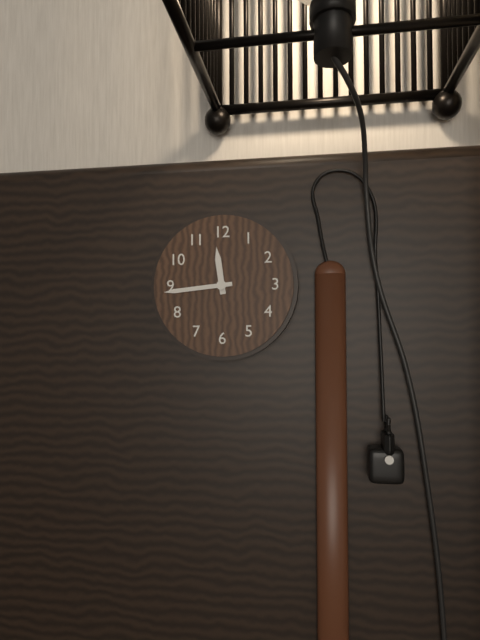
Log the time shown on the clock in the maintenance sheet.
11:44
